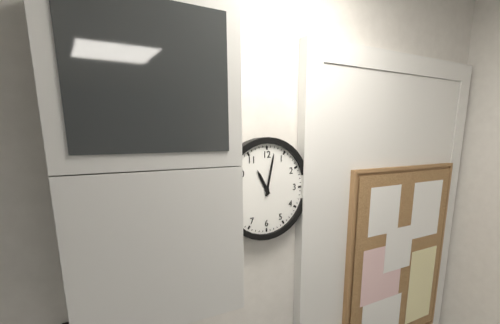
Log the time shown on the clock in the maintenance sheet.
11:02
